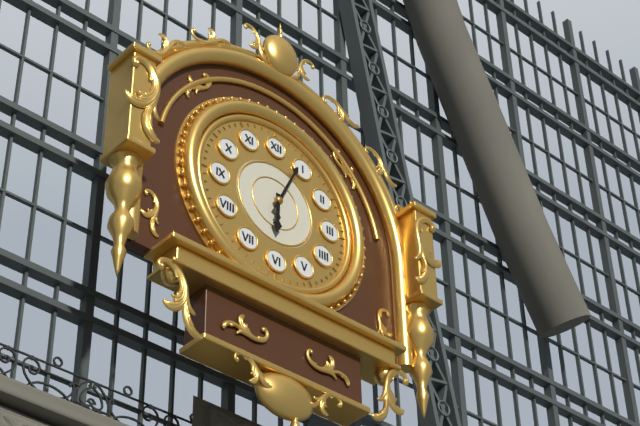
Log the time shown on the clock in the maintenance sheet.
6:04
